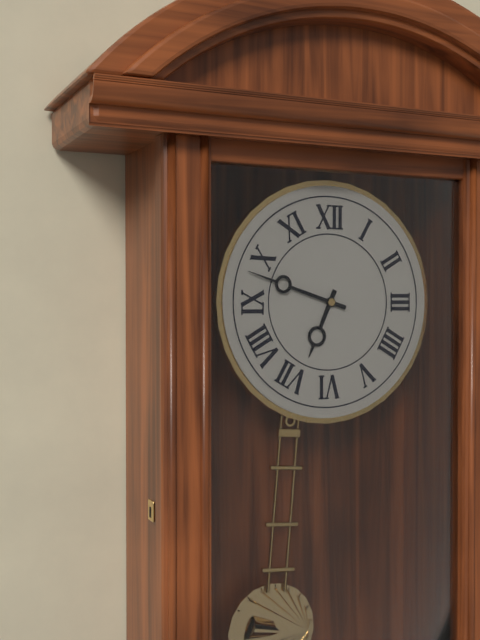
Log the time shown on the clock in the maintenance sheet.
6:48
